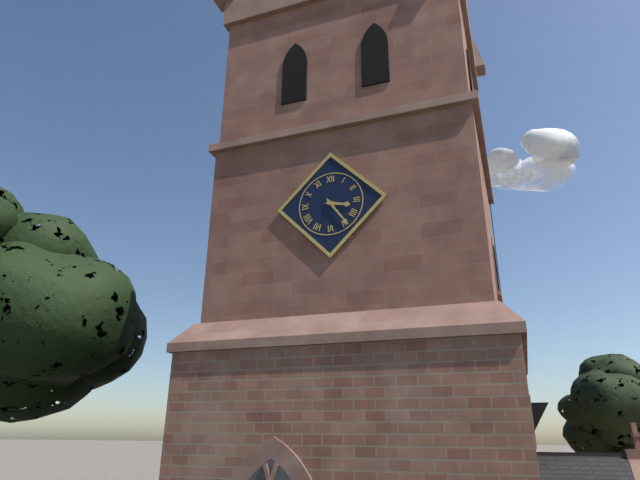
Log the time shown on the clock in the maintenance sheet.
3:24
